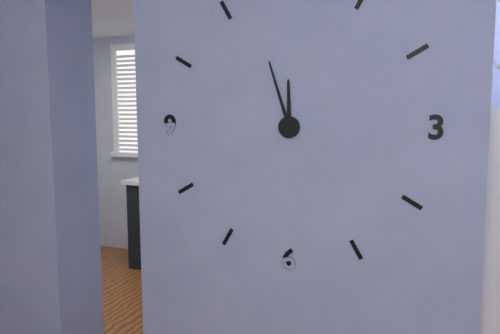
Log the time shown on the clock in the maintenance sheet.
11:57
